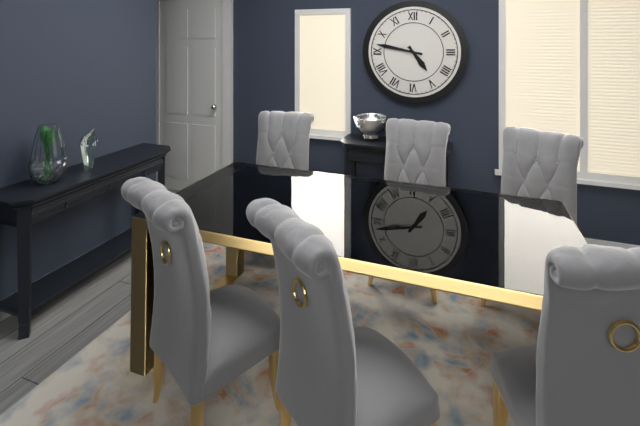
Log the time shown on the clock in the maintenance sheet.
4:47
